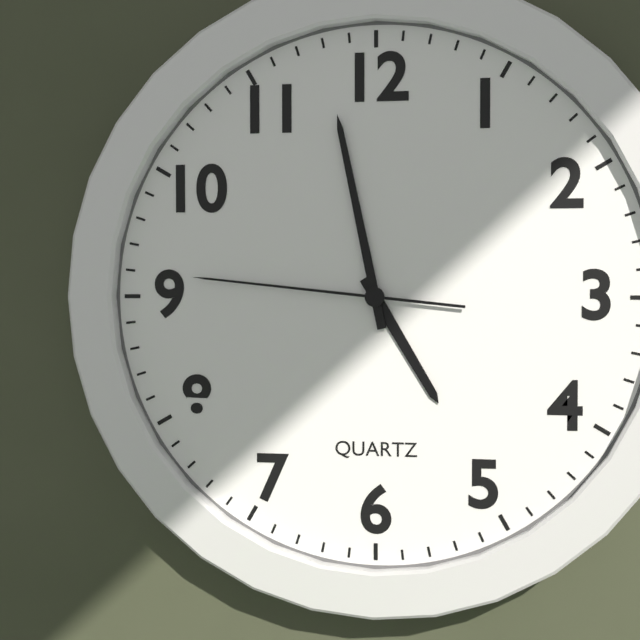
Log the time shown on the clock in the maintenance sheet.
4:58:46
